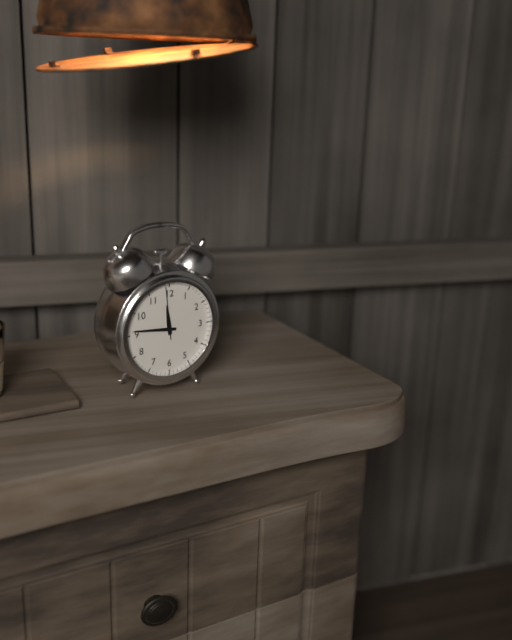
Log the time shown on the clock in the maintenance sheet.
11:46:59
